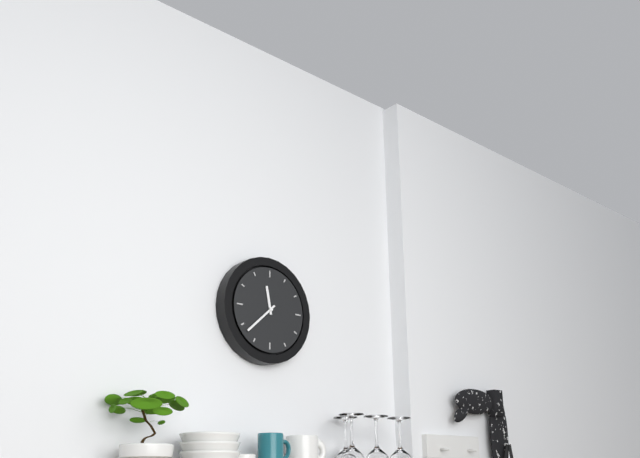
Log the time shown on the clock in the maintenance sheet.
11:38
